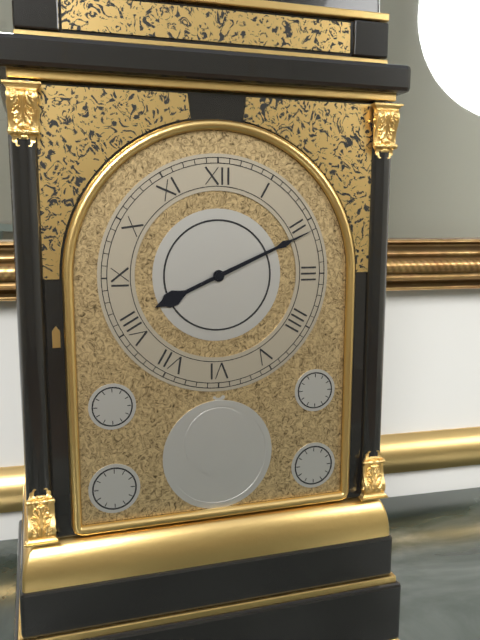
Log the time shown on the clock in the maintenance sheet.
8:11
